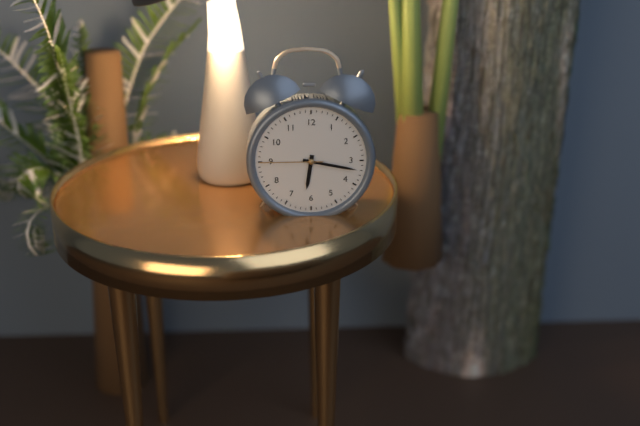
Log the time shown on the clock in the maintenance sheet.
6:17:45
